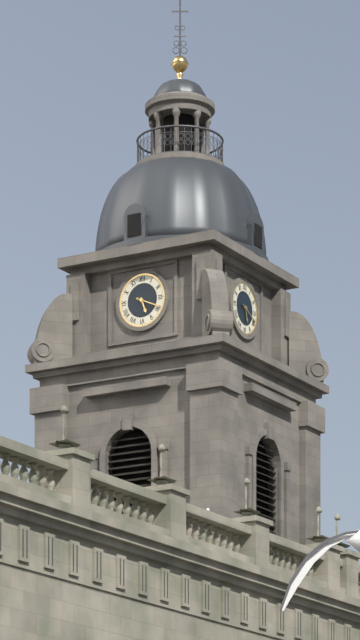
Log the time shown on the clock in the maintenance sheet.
5:19
